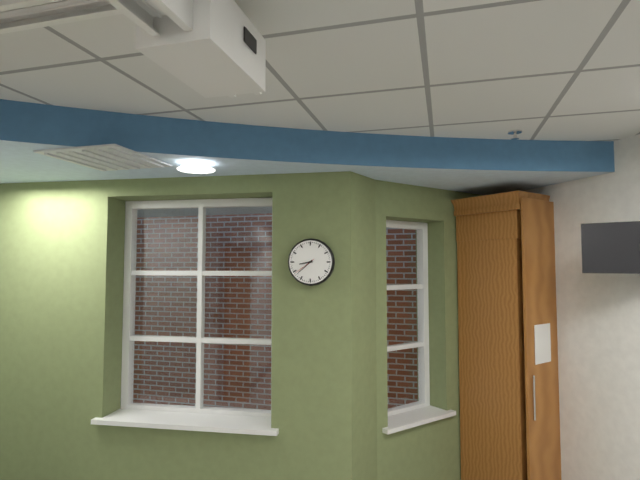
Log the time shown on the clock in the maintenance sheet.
8:38
